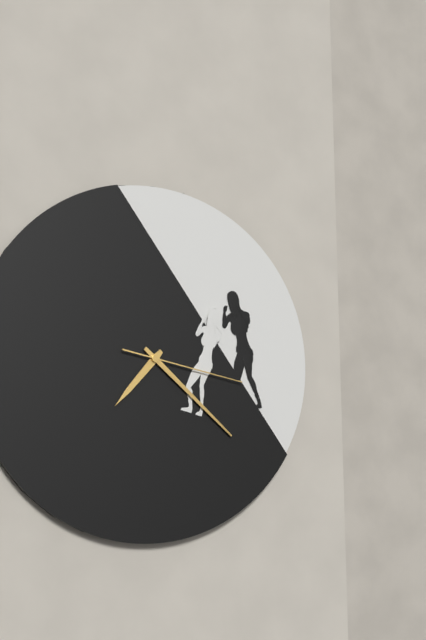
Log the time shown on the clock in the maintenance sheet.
7:22:17
